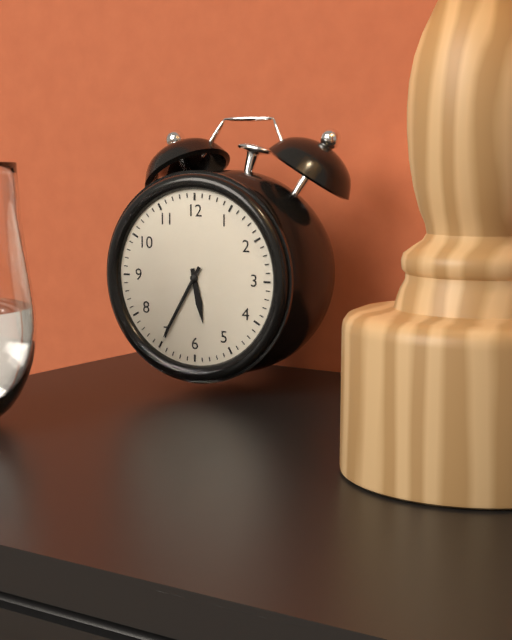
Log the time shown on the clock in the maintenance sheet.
5:35
